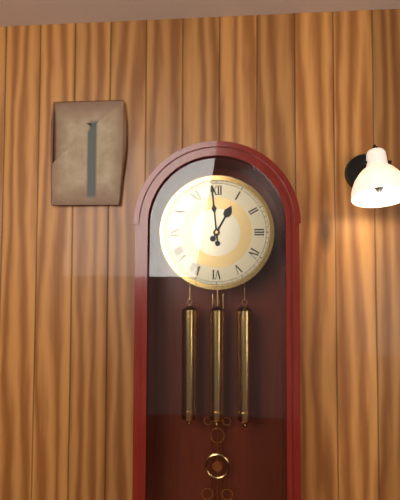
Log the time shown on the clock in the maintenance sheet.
12:59
